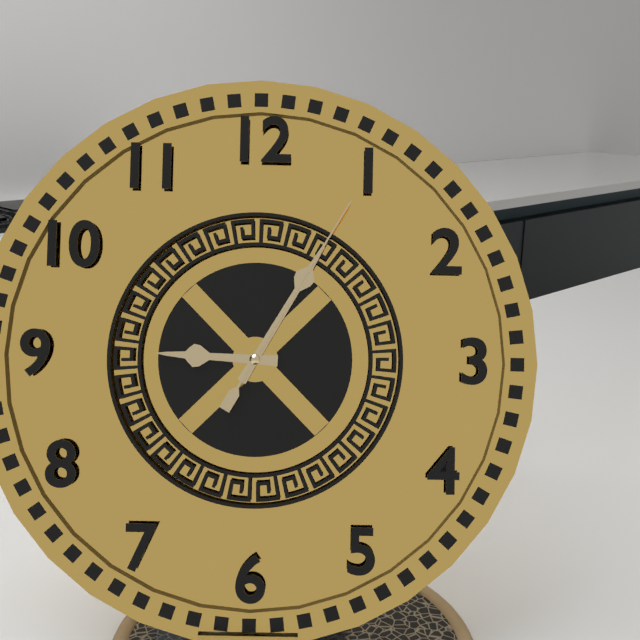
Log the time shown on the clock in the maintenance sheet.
9:05:05
